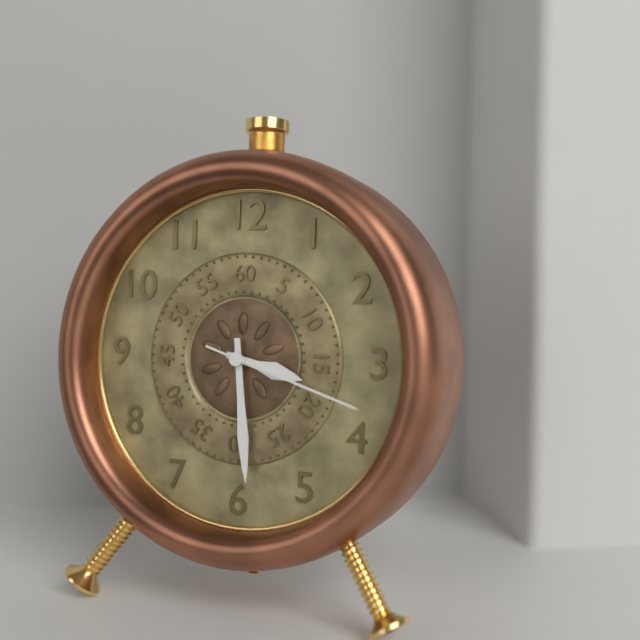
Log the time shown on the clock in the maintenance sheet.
3:29:18
